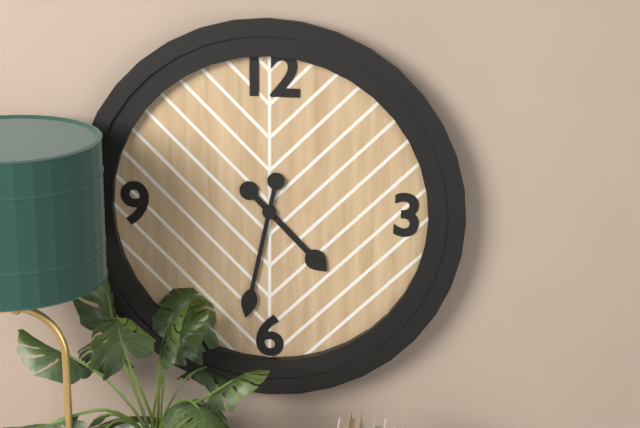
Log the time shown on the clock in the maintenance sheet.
4:32
